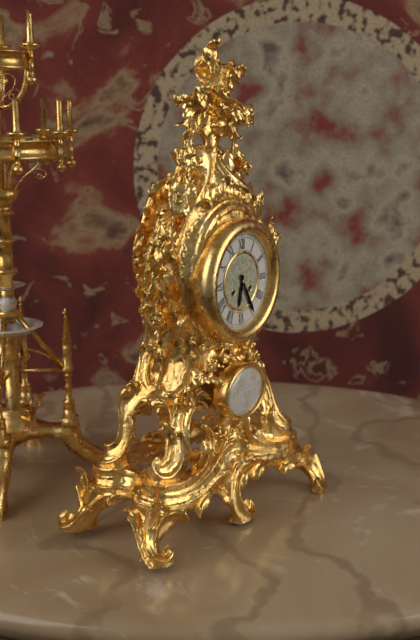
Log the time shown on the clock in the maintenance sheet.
6:25
